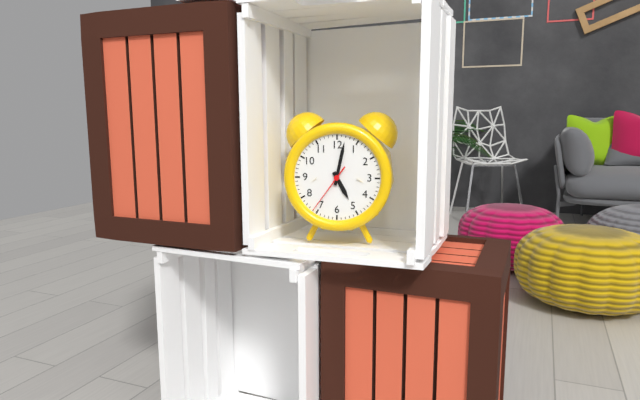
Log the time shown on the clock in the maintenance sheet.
5:02
